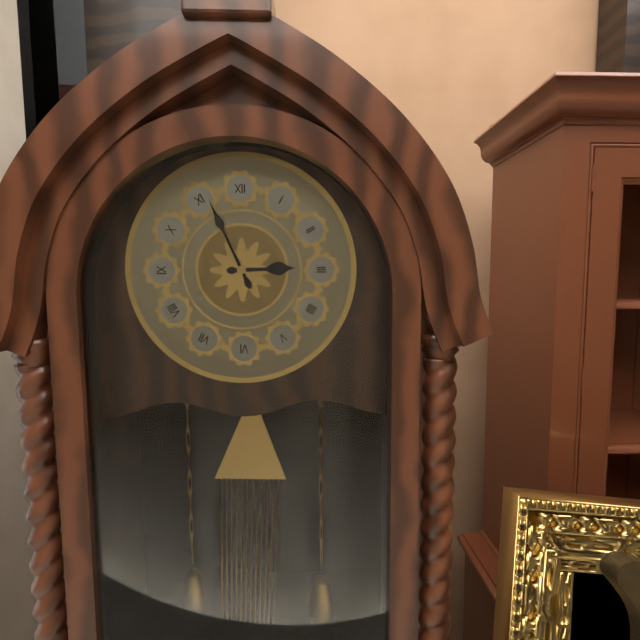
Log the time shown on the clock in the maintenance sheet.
2:56
